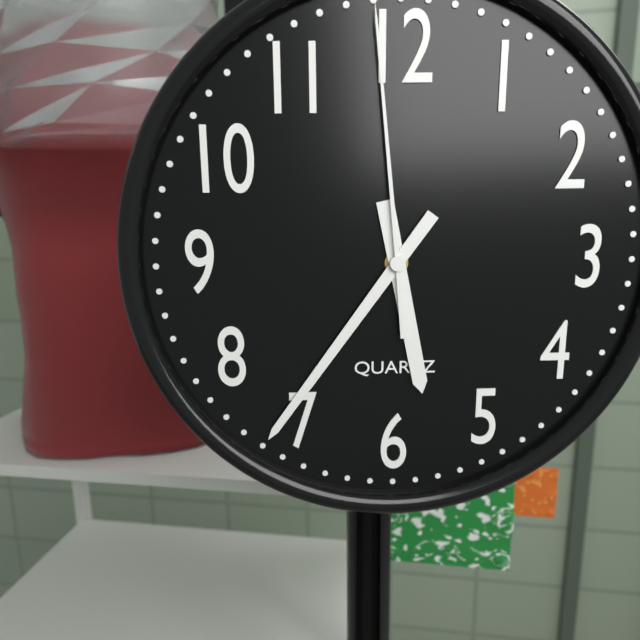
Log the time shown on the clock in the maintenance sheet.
5:36:59
